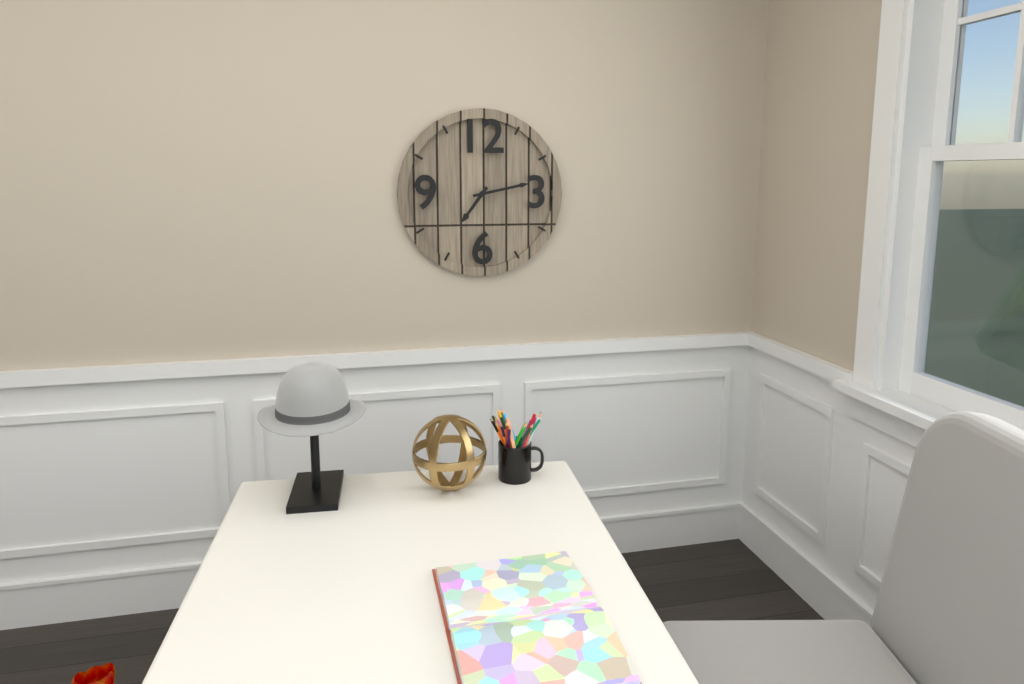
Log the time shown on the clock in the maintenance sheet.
7:13
